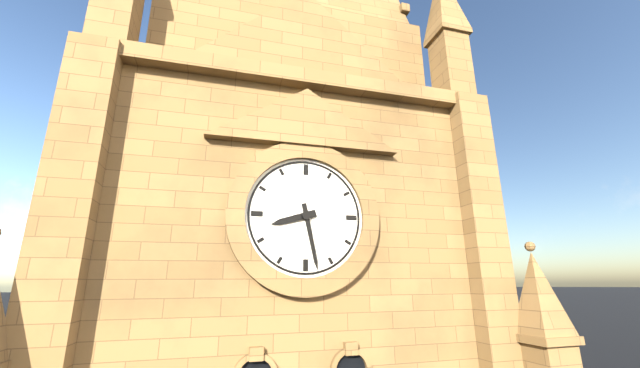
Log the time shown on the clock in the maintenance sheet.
8:28
